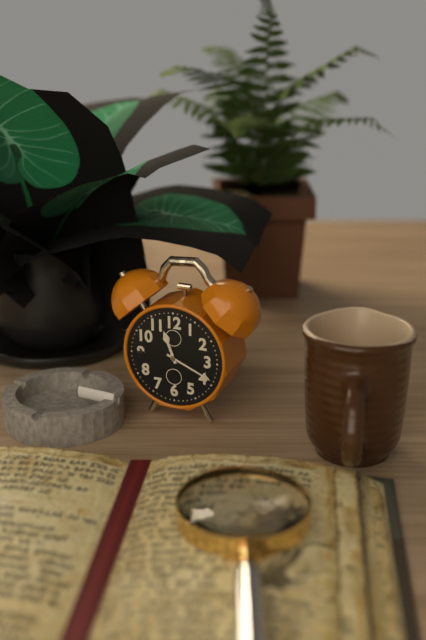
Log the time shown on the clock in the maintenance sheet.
11:19
